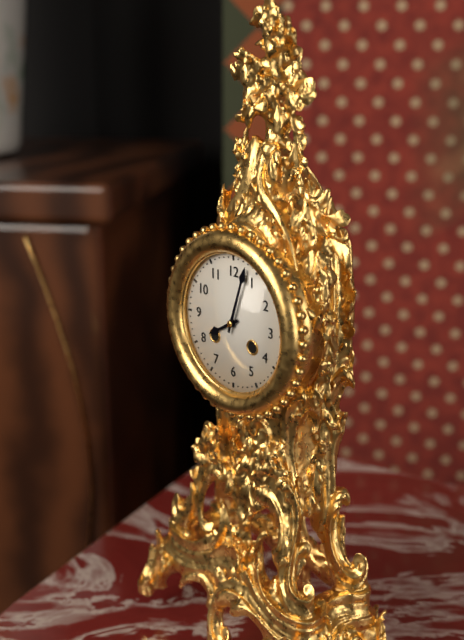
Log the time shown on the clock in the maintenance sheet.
8:03
